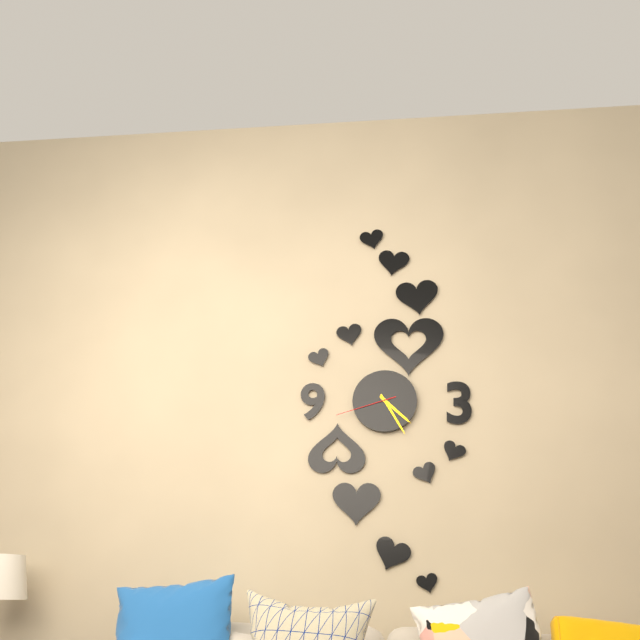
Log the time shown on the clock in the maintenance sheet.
4:25:42
